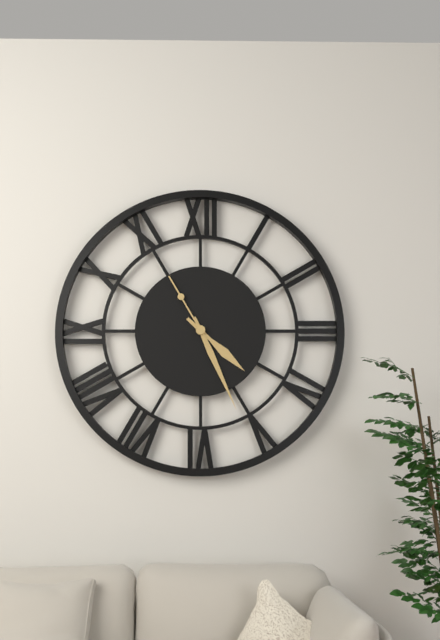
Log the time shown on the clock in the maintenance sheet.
4:26:55
